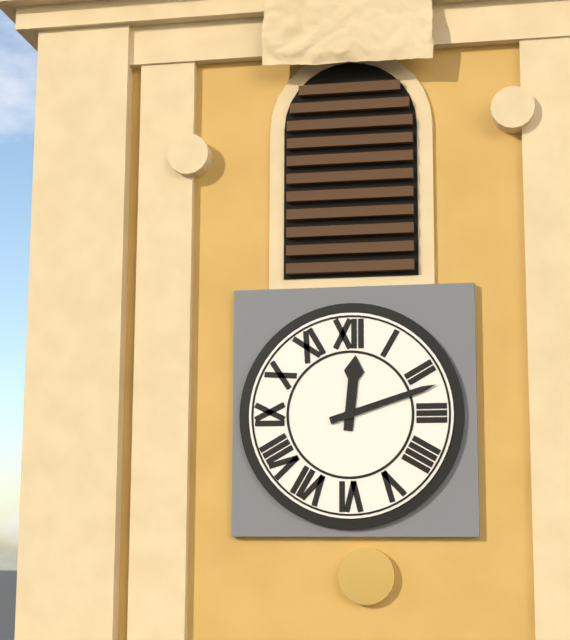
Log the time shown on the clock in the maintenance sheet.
12:12
